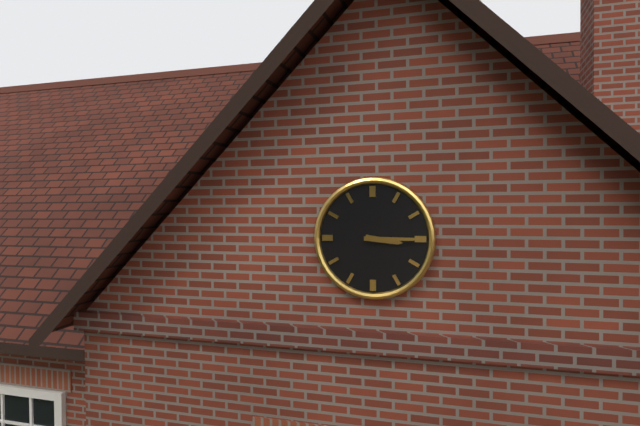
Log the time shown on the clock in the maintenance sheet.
3:15
